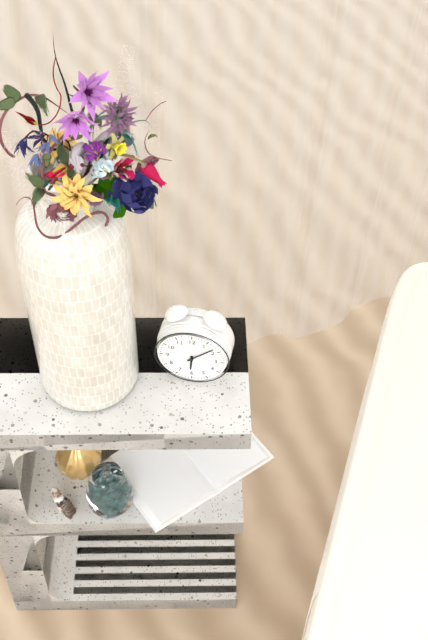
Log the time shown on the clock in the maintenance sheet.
6:08
